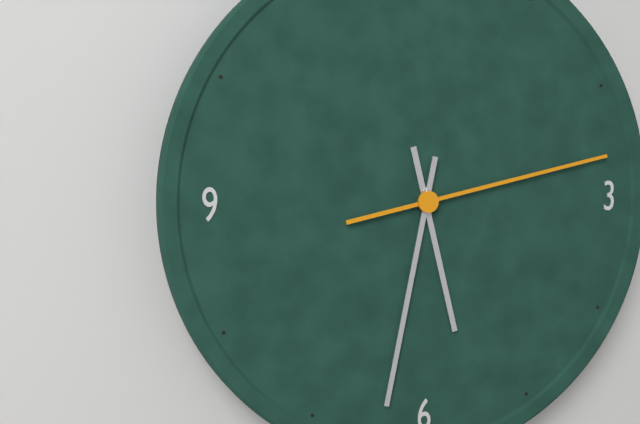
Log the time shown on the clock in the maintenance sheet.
5:32:13
